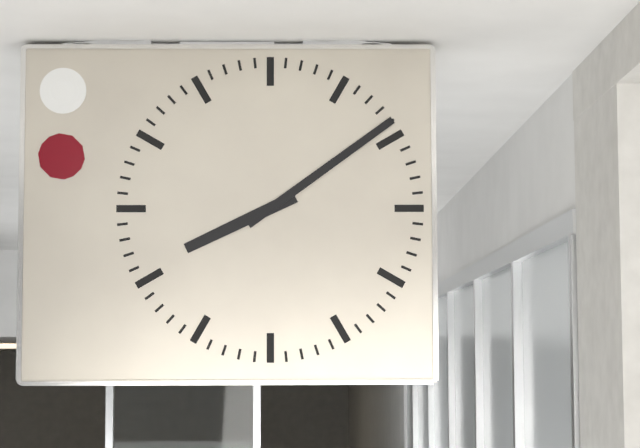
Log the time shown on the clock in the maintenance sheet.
8:09
